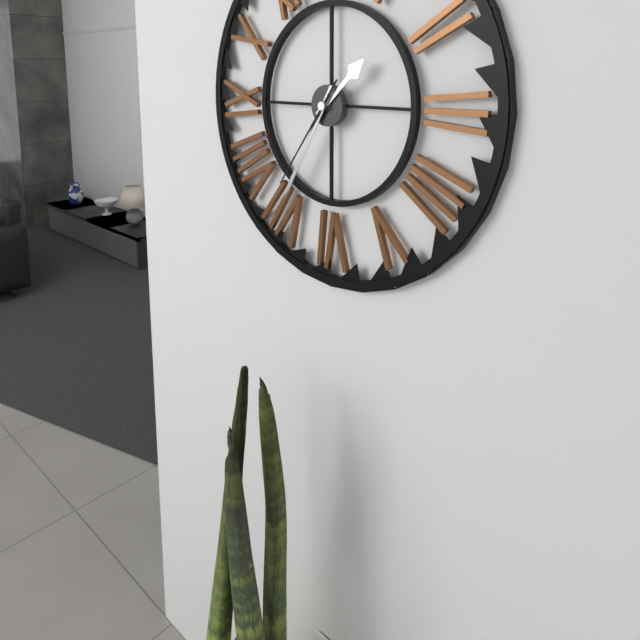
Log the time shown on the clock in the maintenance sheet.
1:35:36
